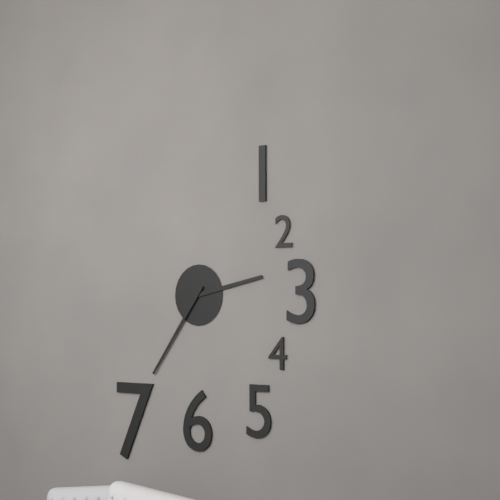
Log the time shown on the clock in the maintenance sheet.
2:36
